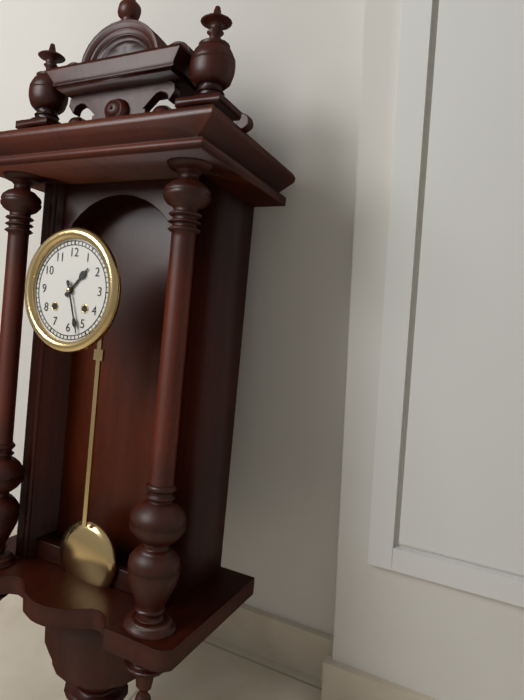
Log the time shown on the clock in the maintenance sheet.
1:27
